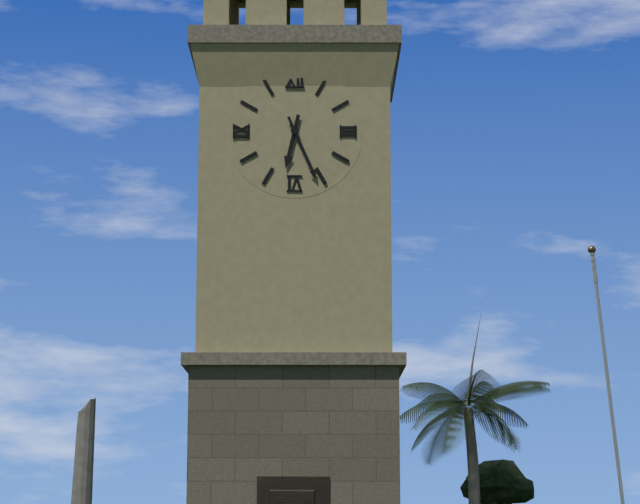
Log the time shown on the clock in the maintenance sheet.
6:26
